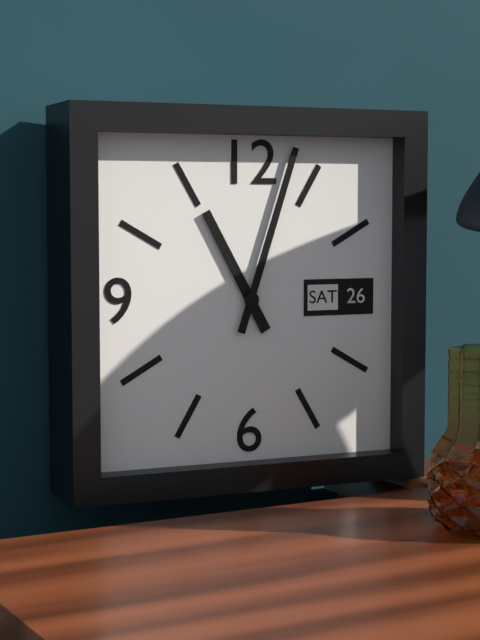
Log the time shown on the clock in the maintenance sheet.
11:03
